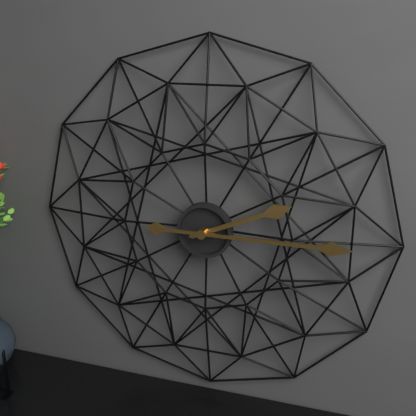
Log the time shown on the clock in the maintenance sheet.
2:15
